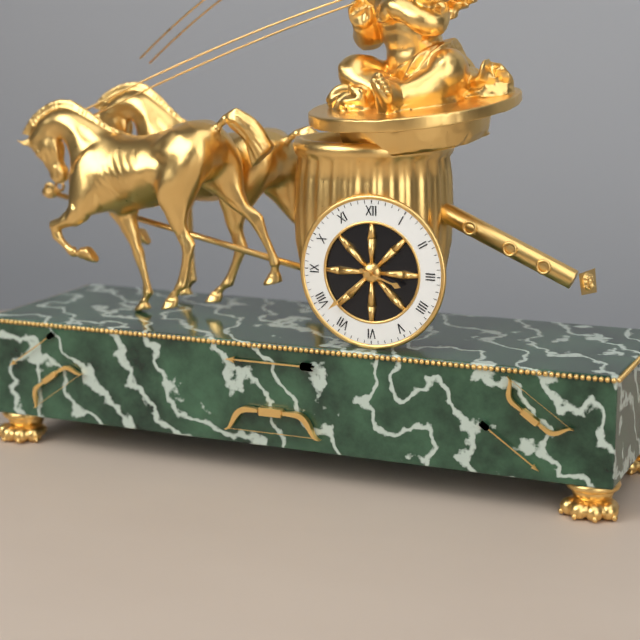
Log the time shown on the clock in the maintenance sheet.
3:38
